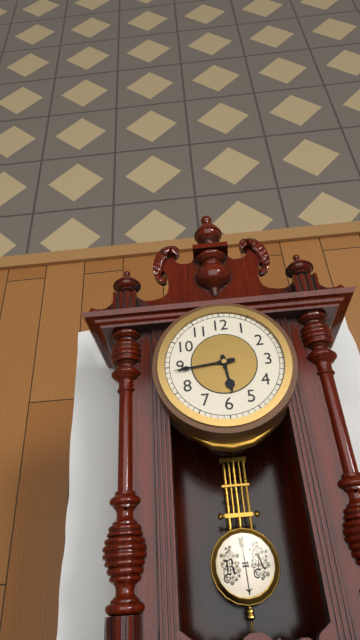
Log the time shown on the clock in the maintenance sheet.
5:44
